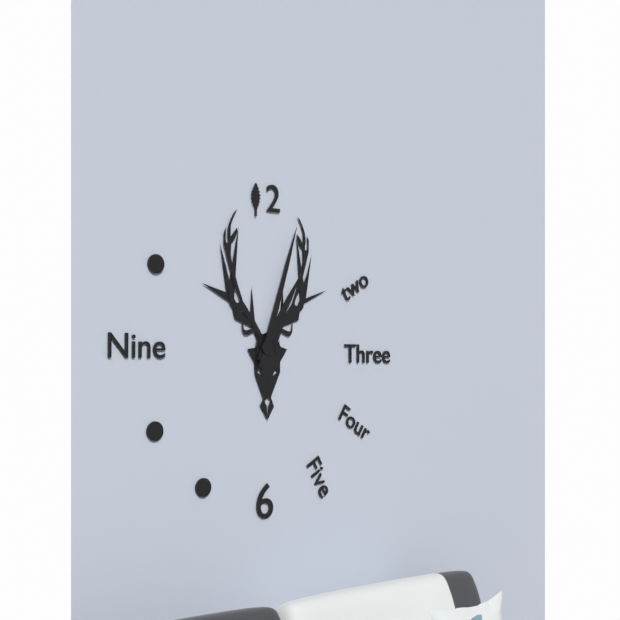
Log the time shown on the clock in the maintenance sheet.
1:03
